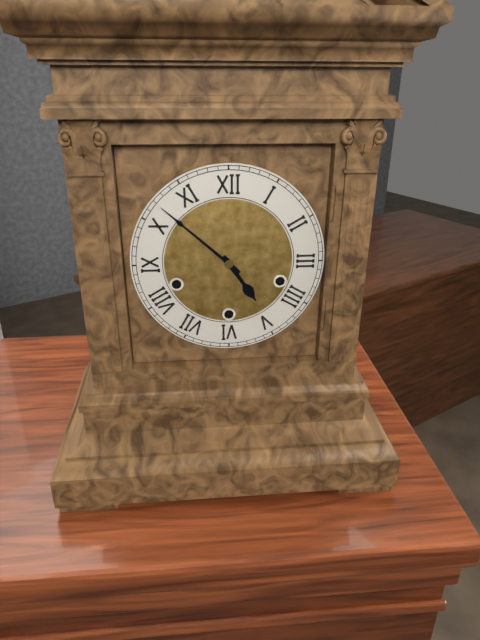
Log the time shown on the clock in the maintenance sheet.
4:52
